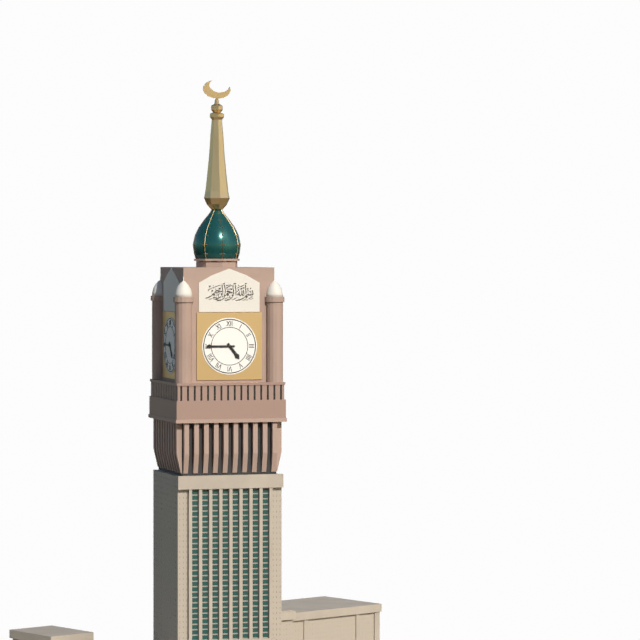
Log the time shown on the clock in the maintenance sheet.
4:45
